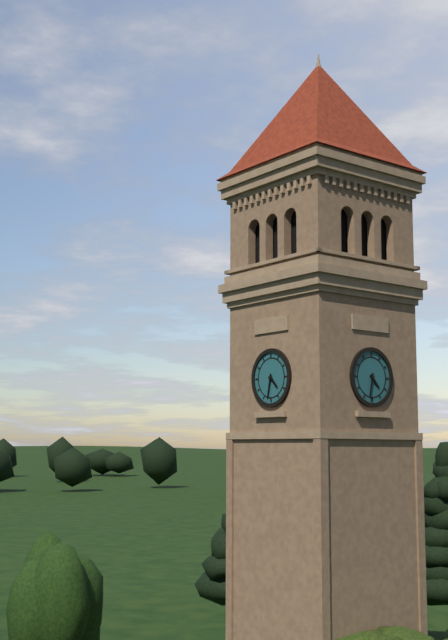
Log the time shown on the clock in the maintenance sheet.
4:32
